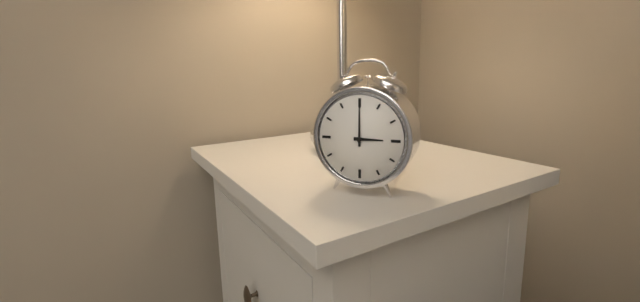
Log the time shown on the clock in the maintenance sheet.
3:00
